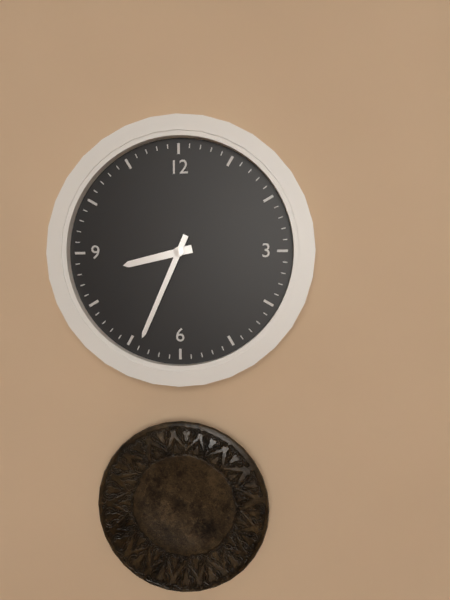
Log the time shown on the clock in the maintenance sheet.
8:34
